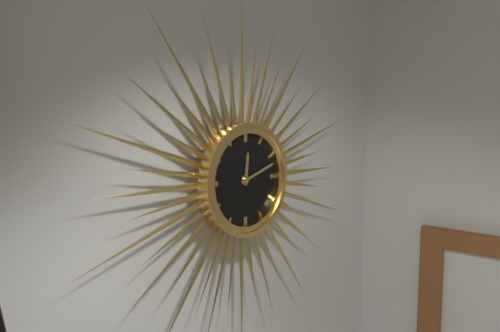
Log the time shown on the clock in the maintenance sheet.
12:12
